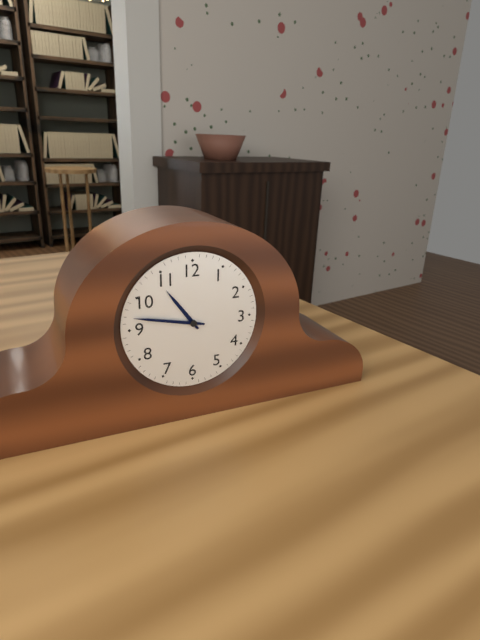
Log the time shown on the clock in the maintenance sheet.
10:47
